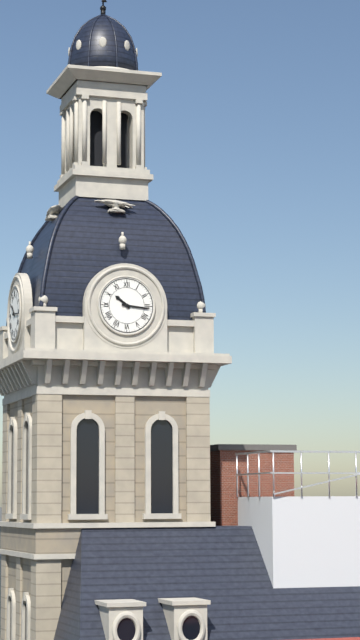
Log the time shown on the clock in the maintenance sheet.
10:16
